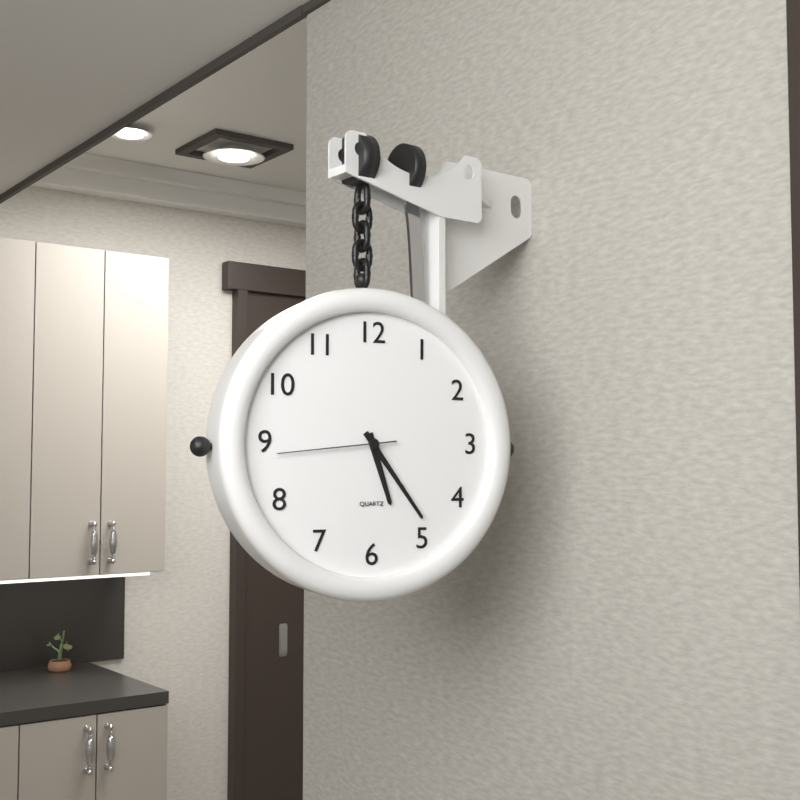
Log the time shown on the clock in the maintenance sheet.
5:24:44
